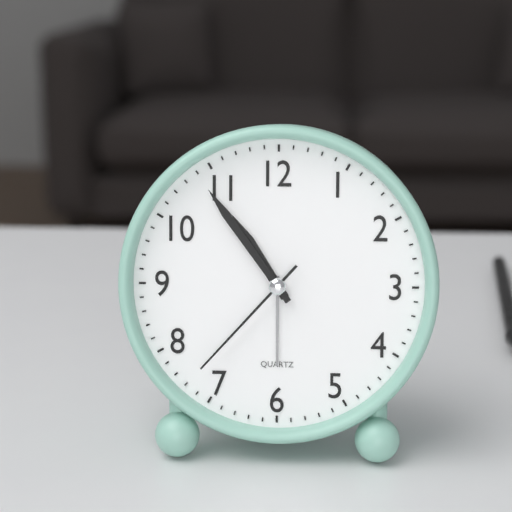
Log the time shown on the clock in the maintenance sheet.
10:54:37
